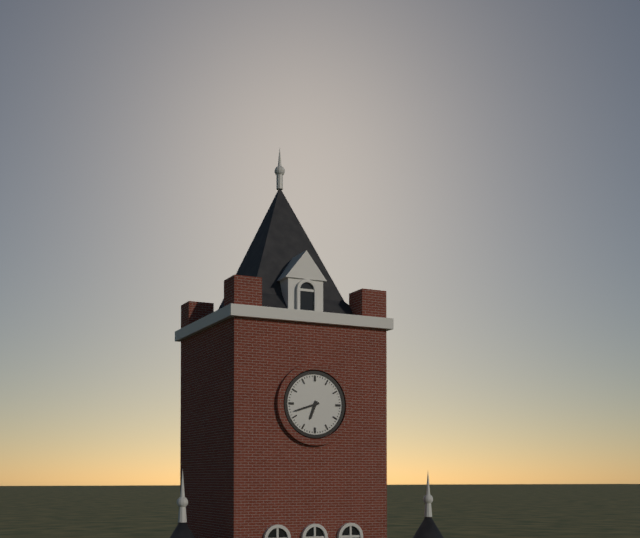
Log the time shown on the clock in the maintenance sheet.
6:42
